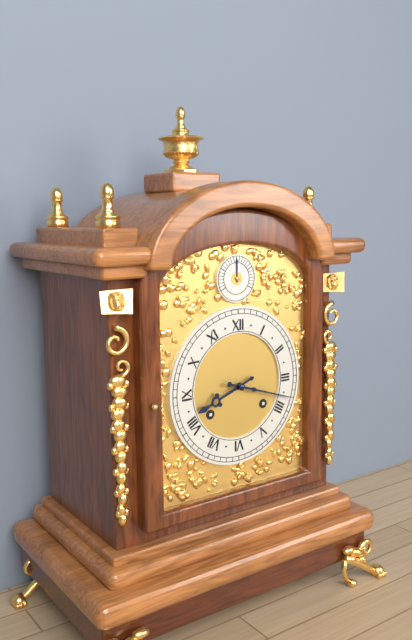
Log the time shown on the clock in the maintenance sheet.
8:18
